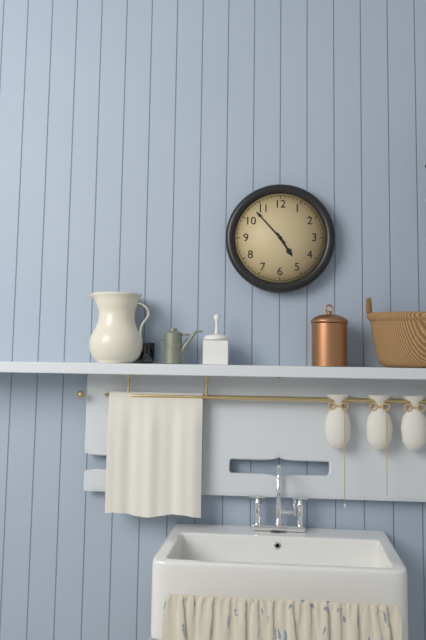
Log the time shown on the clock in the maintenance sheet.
4:53
